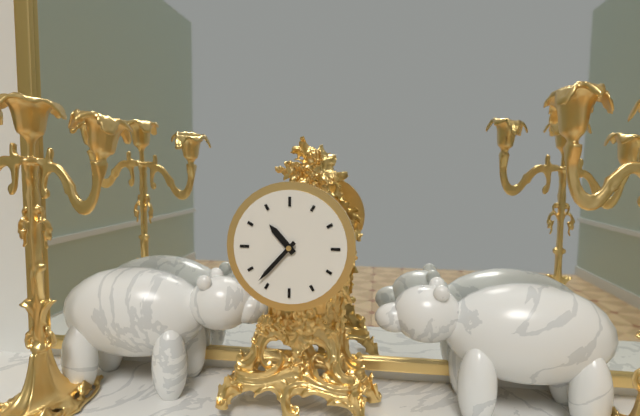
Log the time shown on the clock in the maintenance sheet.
10:37
